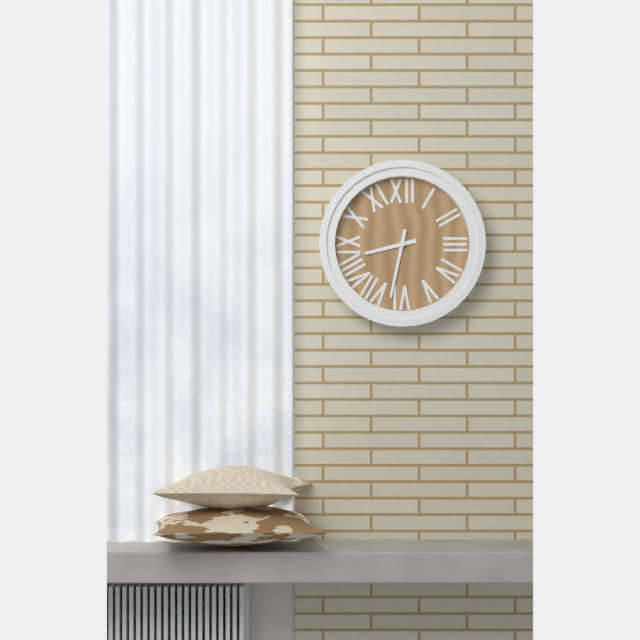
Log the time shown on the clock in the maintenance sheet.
8:32
